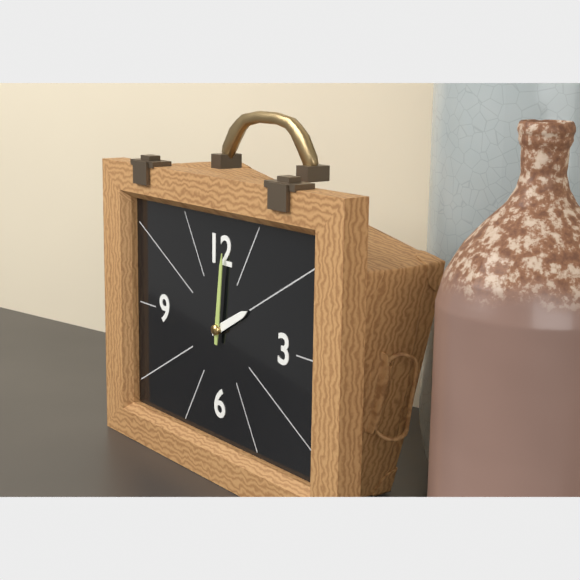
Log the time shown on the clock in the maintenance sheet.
2:01
